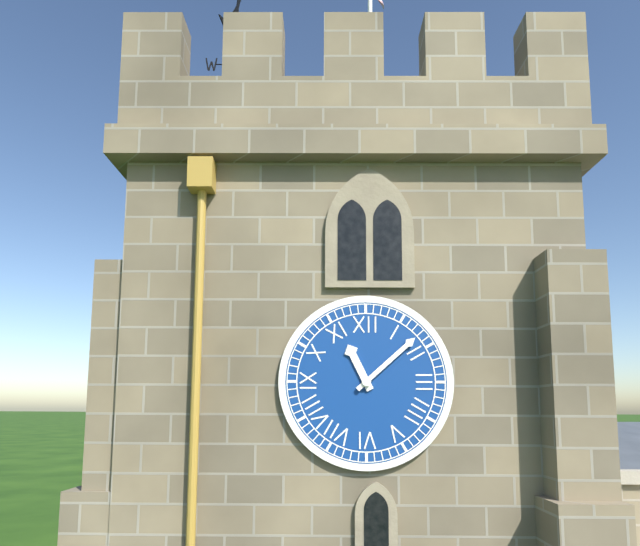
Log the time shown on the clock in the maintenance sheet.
11:08
